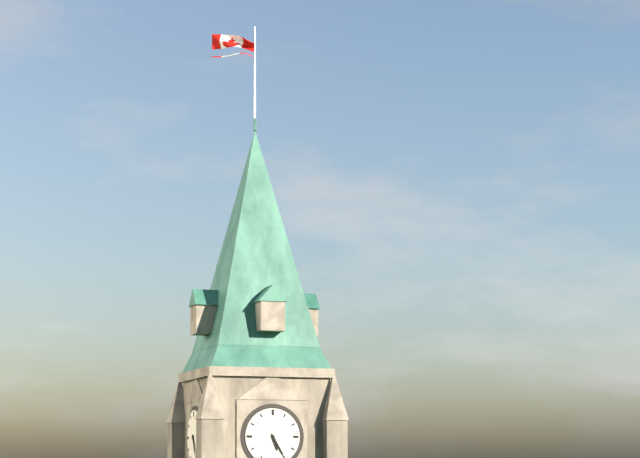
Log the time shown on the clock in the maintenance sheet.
5:25
